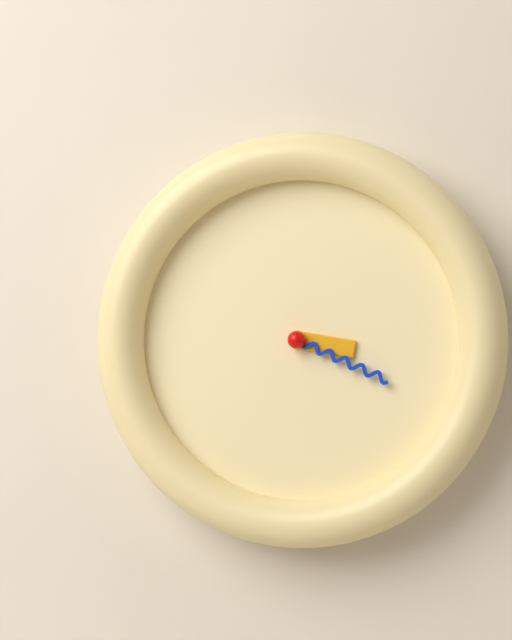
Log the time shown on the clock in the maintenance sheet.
3:19
